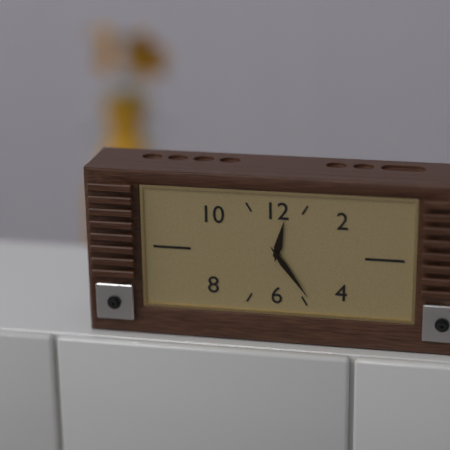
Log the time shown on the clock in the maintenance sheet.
12:24
